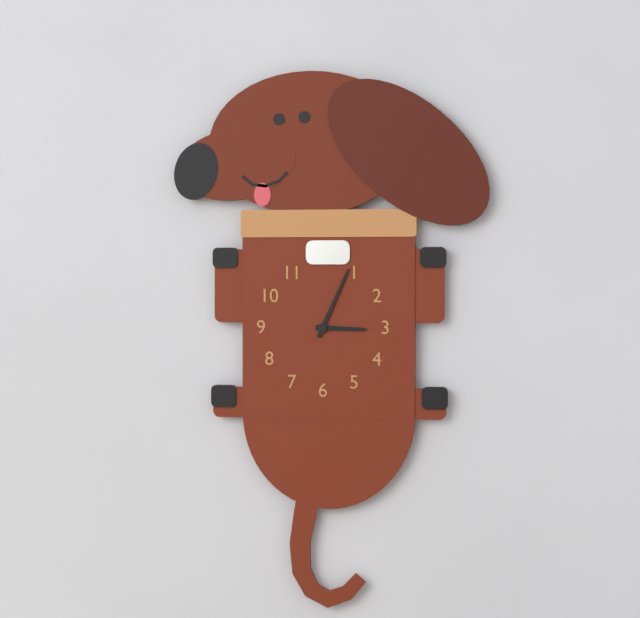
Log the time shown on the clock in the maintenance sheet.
3:04
